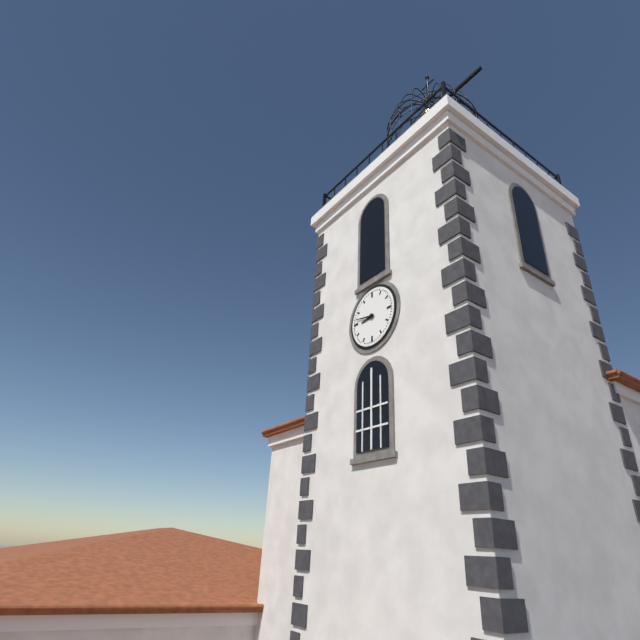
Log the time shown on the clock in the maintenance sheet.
8:47
